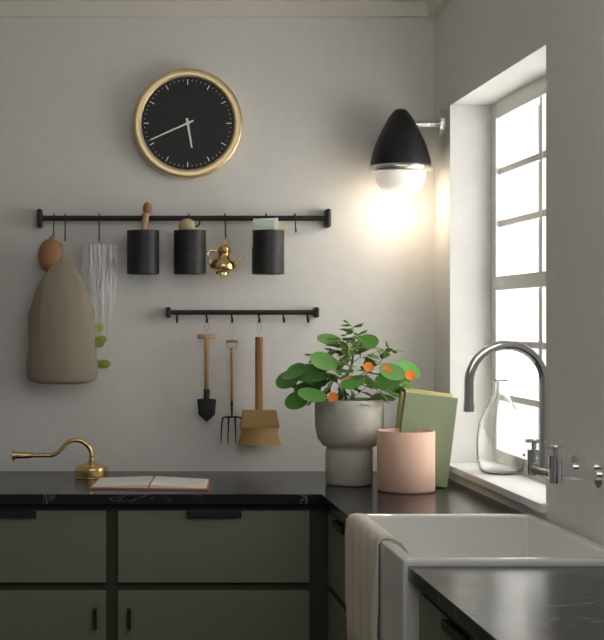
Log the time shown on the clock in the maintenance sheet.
5:41
